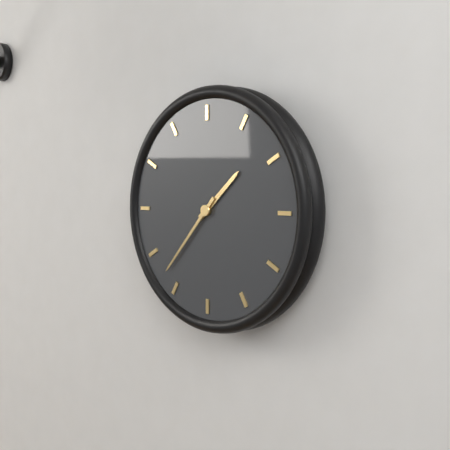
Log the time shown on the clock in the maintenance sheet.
1:37
